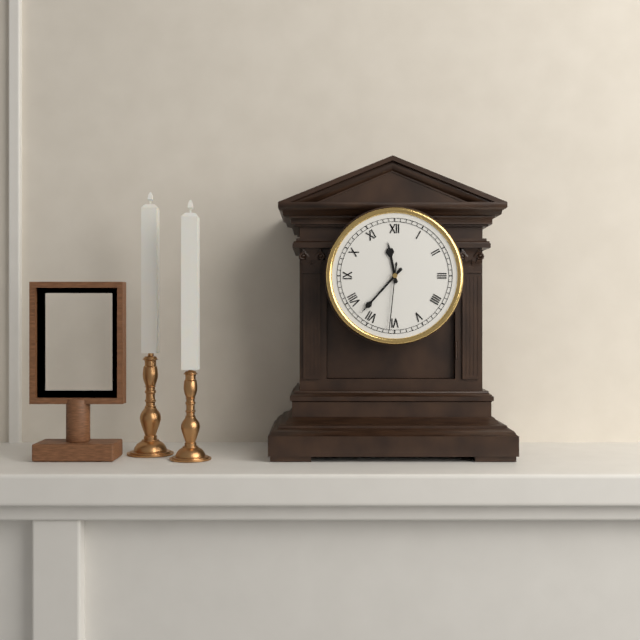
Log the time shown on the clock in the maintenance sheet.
11:37:31
